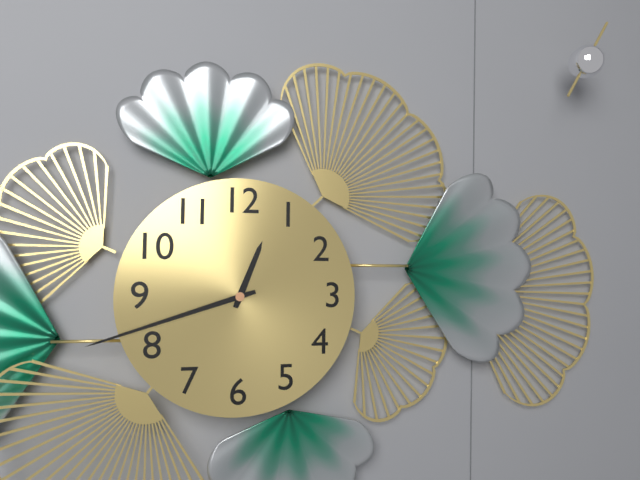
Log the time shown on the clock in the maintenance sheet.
12:42
